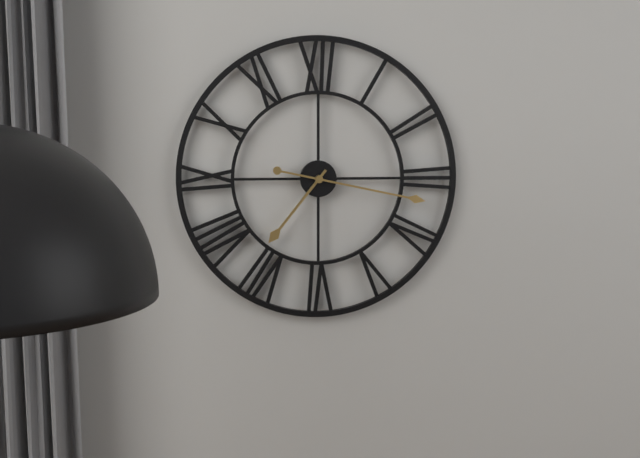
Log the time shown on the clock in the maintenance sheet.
7:17
